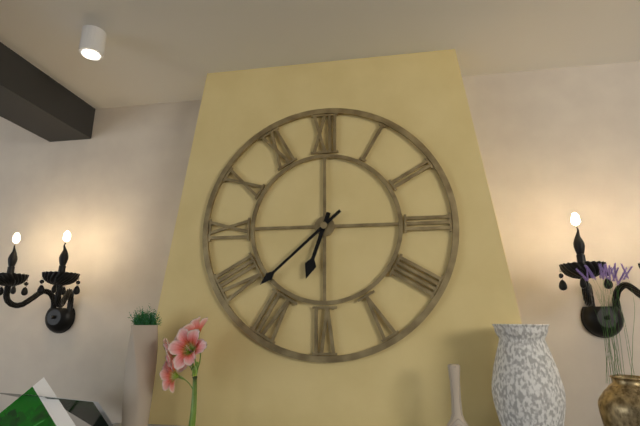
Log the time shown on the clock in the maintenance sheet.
6:38
